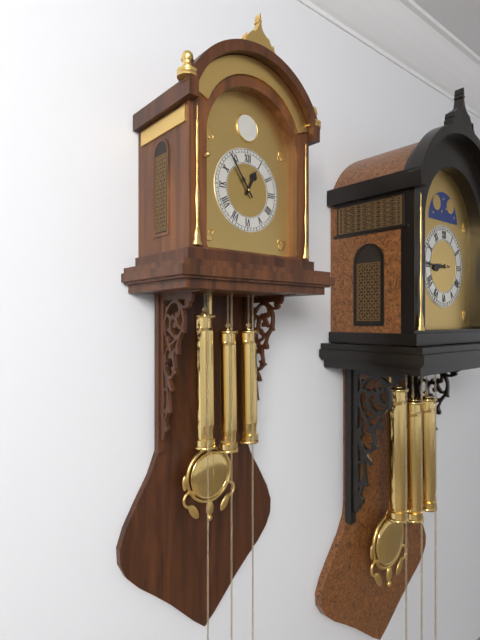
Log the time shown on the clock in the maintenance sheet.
12:54
